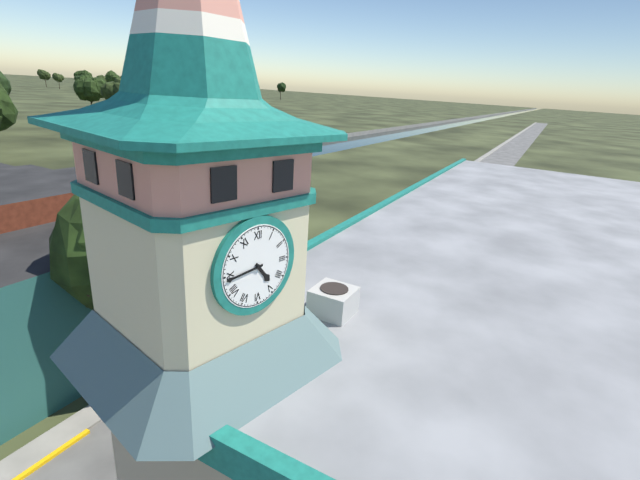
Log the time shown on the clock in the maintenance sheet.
4:44
